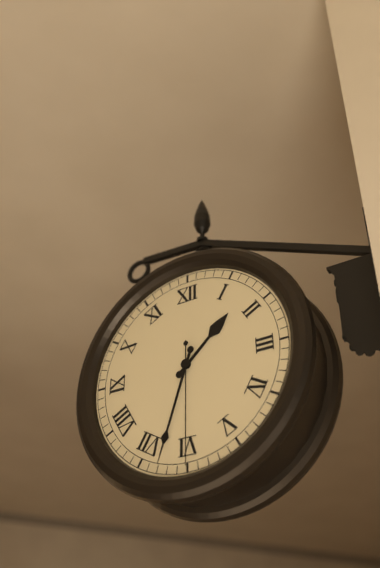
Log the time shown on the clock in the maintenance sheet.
1:33:30
